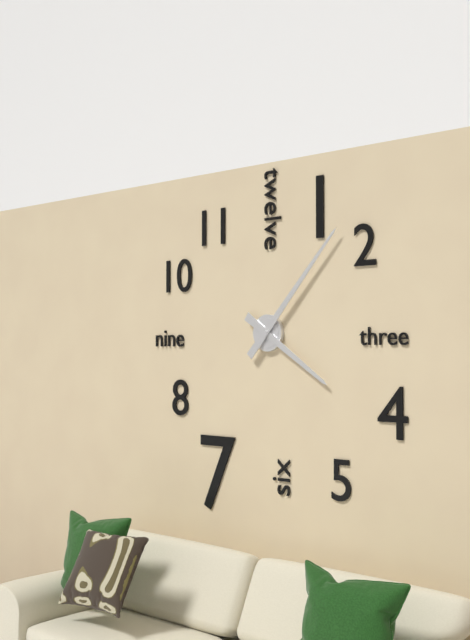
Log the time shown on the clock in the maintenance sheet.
4:07
